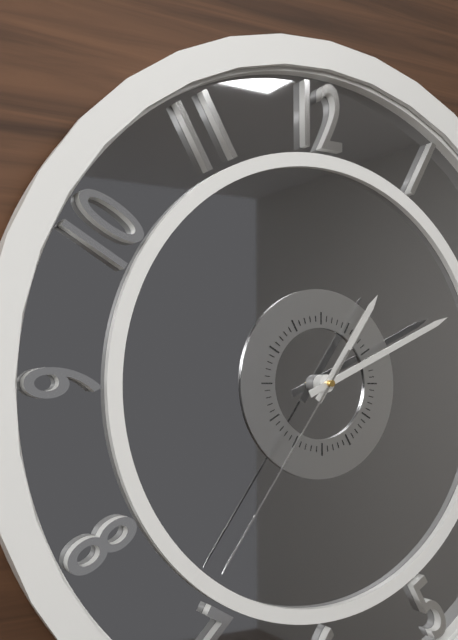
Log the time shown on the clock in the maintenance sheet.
1:11:36
